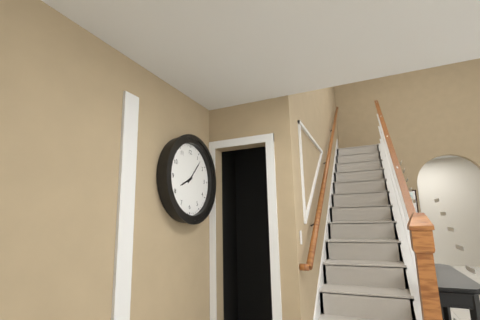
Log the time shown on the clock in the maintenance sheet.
8:07
